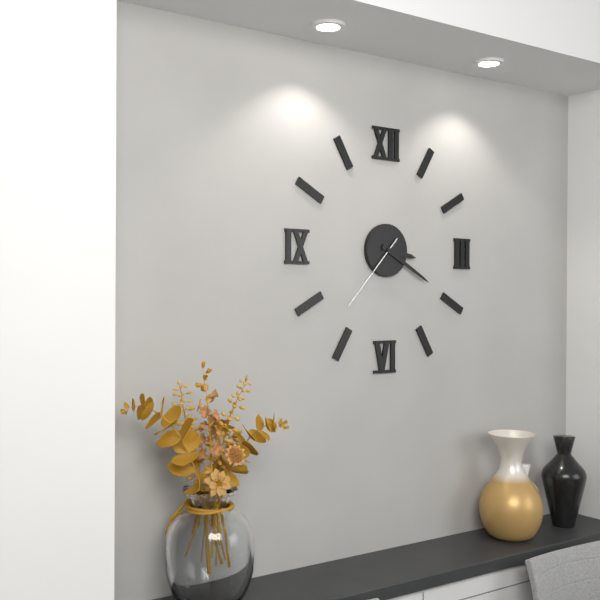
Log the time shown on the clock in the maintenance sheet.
3:20:37
